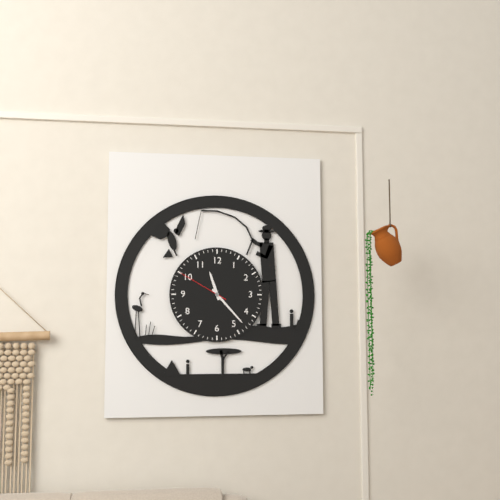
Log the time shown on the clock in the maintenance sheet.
11:23:50
